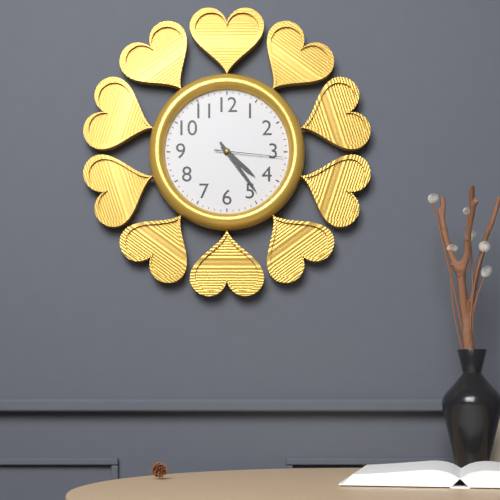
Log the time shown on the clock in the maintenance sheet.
4:24:16
